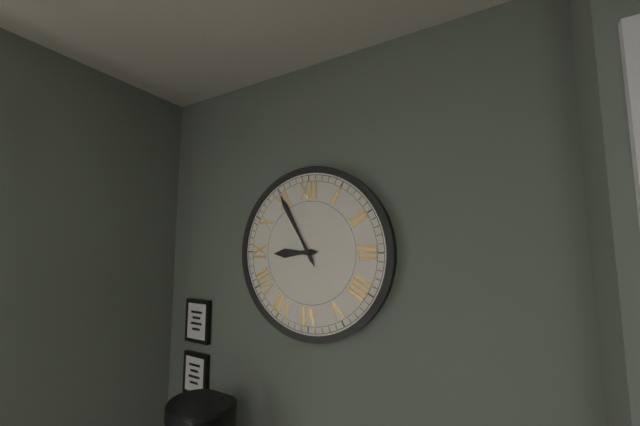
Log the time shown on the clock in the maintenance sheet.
8:55
